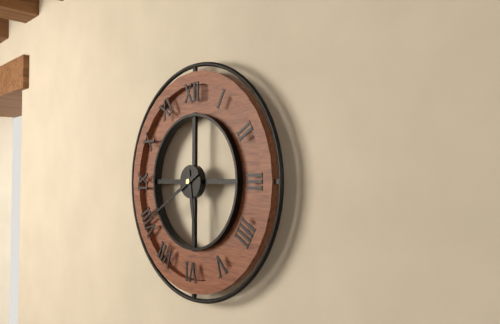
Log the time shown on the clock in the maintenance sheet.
5:40
